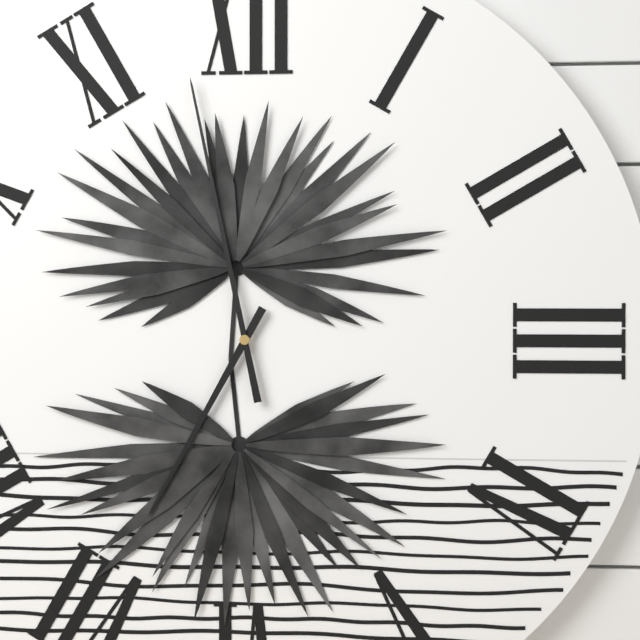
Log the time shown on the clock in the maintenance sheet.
6:58
